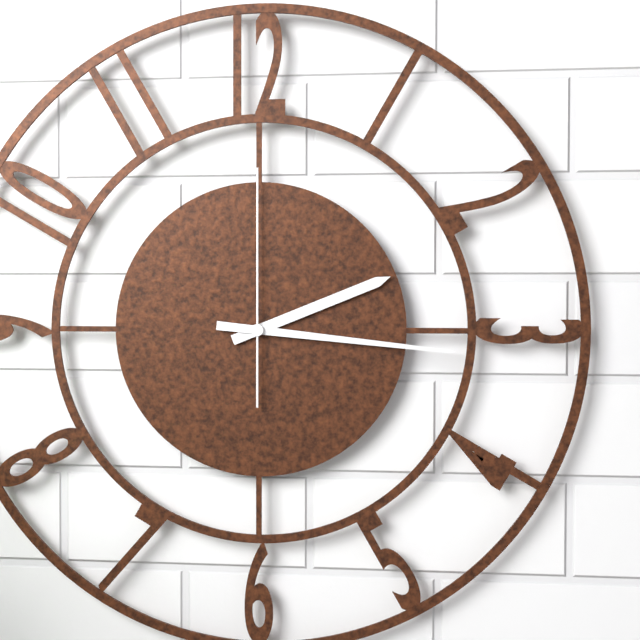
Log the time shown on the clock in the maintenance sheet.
2:16:00
